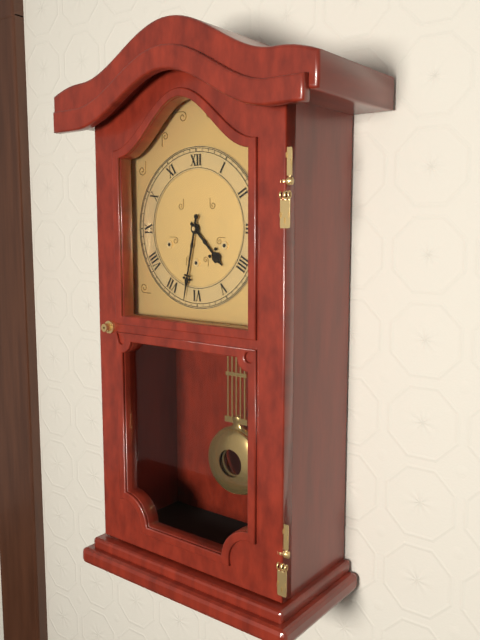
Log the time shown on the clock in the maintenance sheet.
4:32
